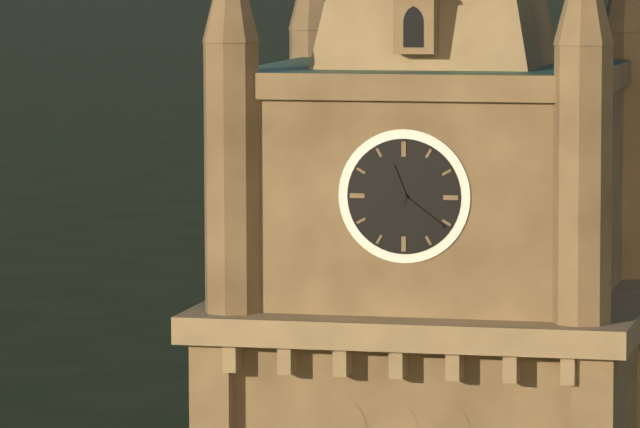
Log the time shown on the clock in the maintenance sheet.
11:21
